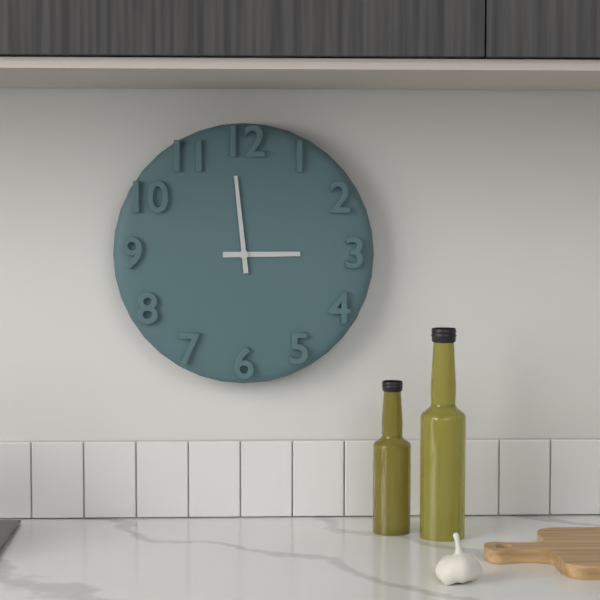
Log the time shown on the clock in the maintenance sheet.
2:59
